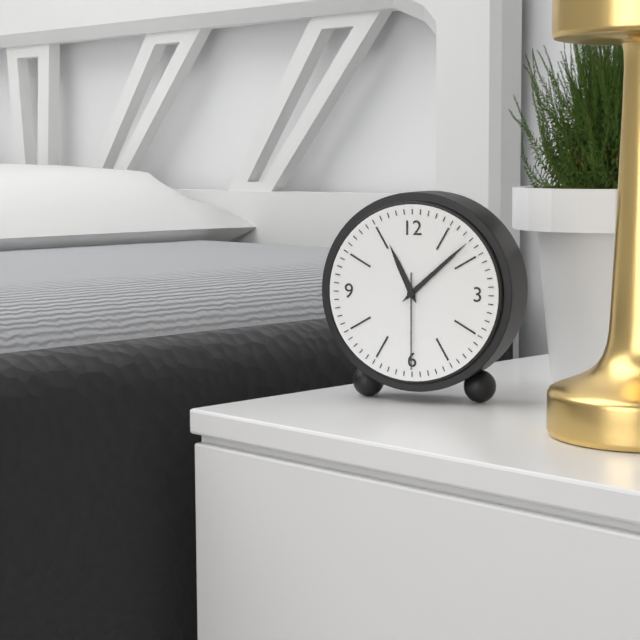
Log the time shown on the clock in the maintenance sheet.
11:08:30
